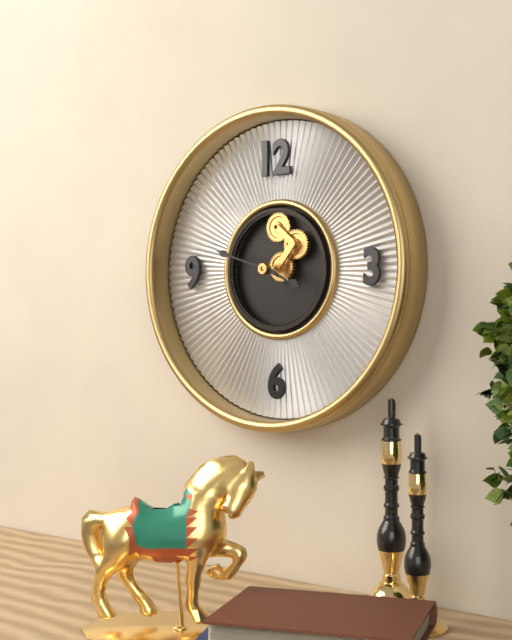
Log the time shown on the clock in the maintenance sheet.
3:48
